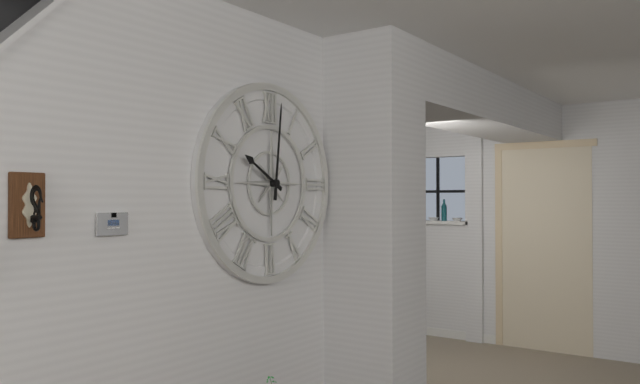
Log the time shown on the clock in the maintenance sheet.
10:01
